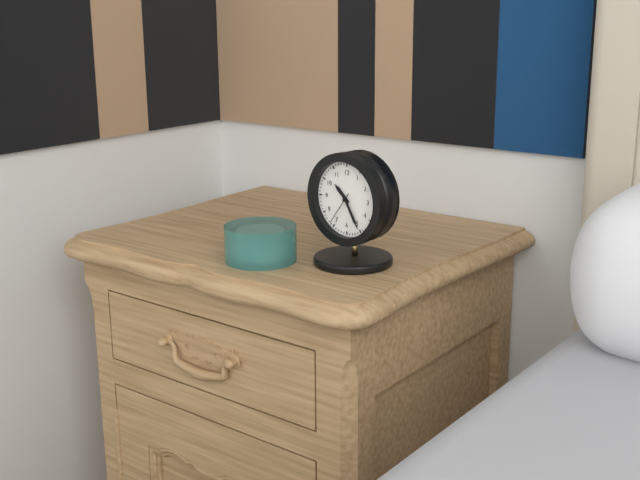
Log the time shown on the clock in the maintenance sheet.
10:25
